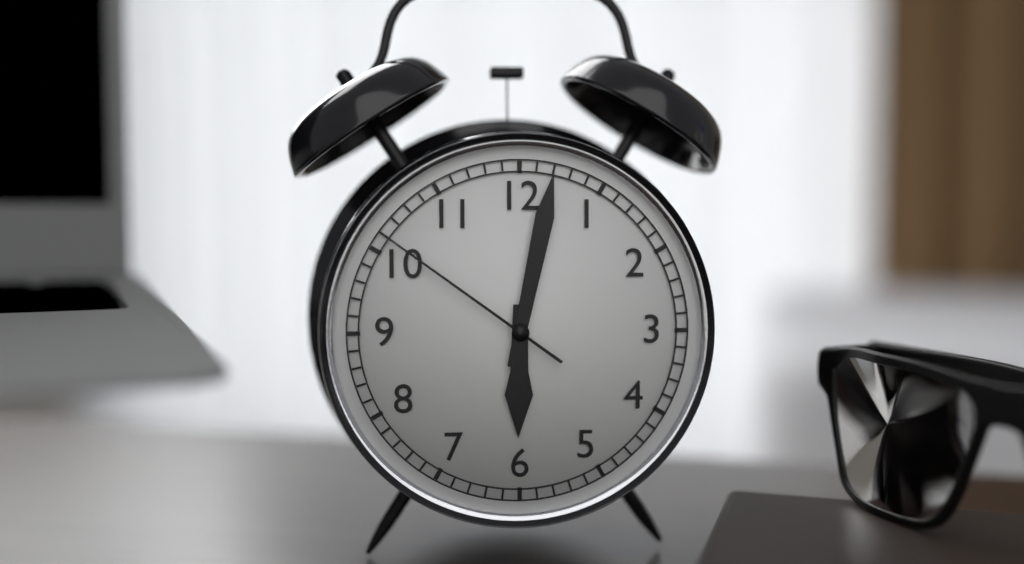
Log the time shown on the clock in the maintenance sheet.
6:02:51
